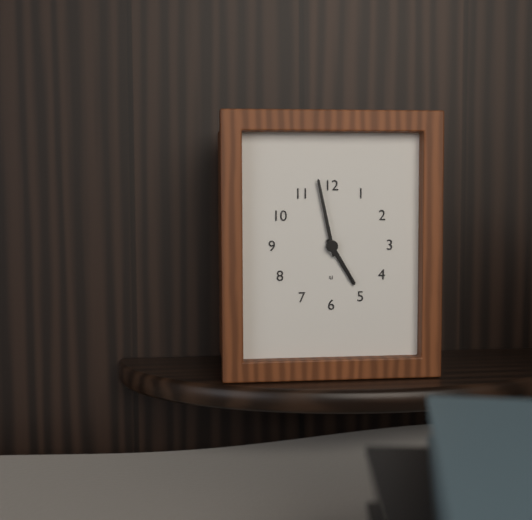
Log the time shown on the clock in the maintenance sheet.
4:58
